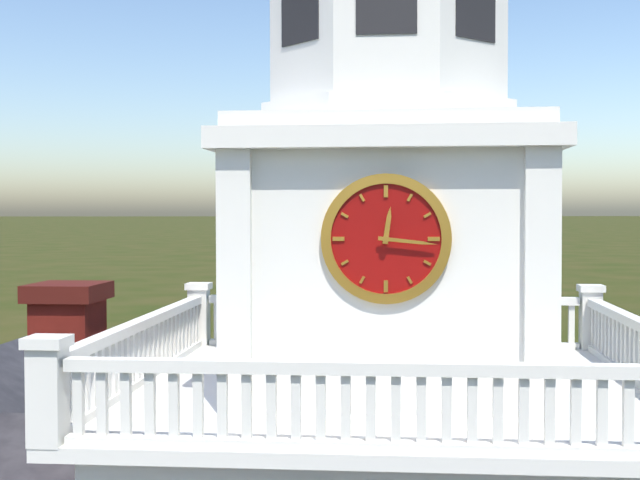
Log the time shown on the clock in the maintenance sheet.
12:16
